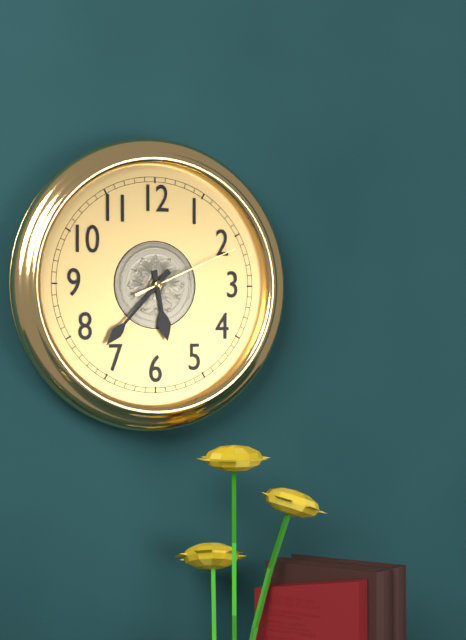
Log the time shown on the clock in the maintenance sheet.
5:37:11
